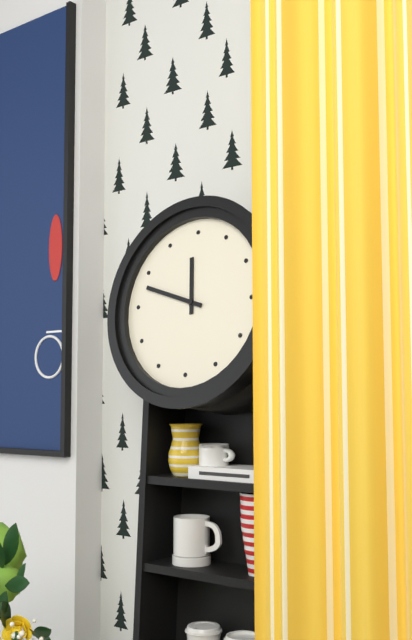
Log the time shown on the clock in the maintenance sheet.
11:48
